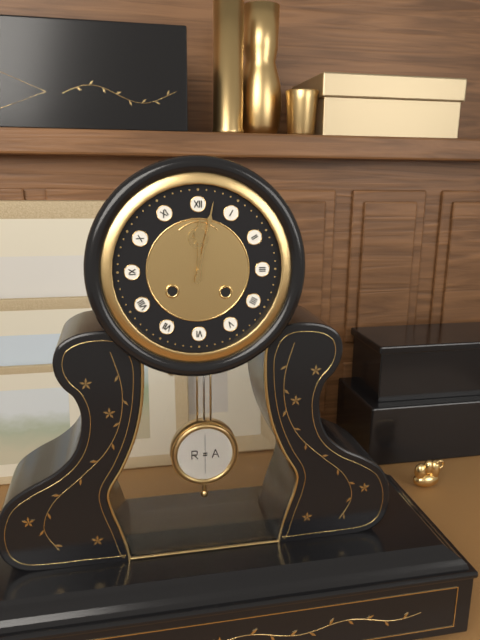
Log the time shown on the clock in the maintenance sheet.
12:02
